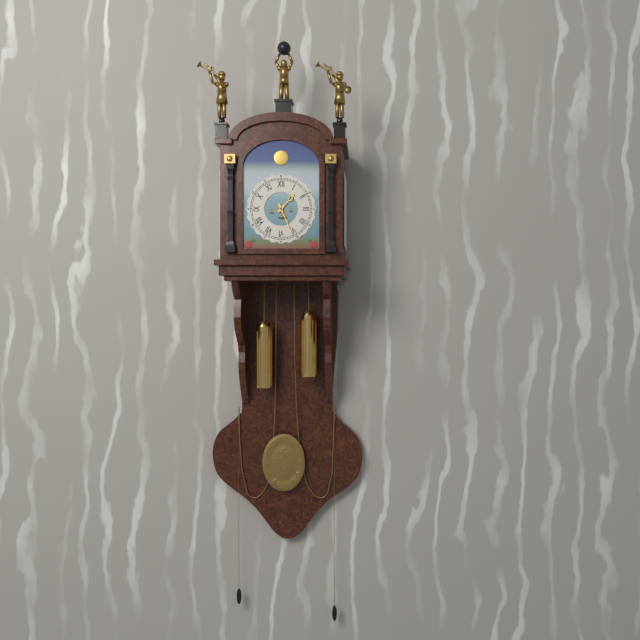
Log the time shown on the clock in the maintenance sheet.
1:26
